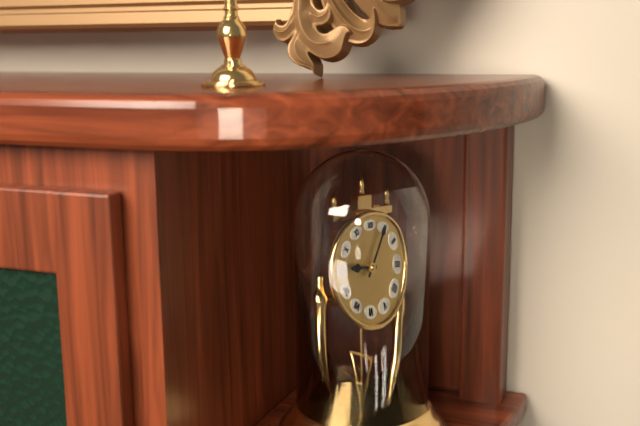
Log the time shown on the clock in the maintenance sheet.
9:05
